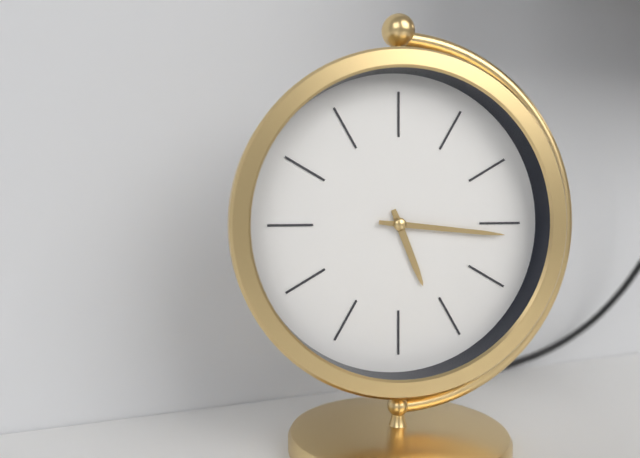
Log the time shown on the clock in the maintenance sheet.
5:16
